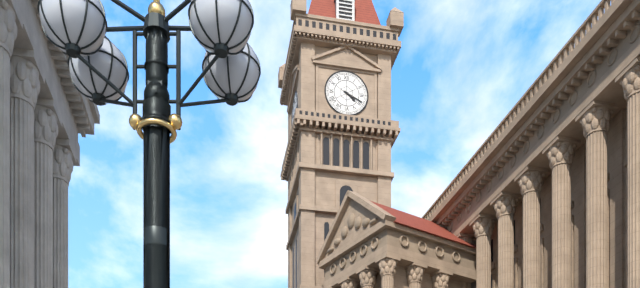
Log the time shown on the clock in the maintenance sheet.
4:19
